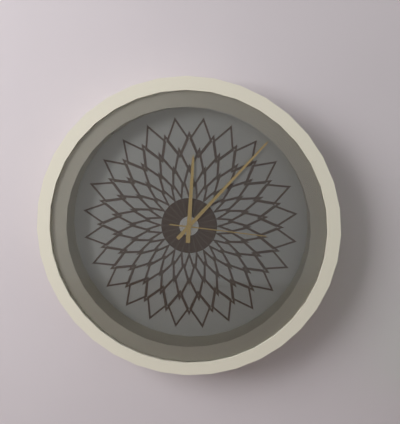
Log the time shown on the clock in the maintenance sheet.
12:07:16
